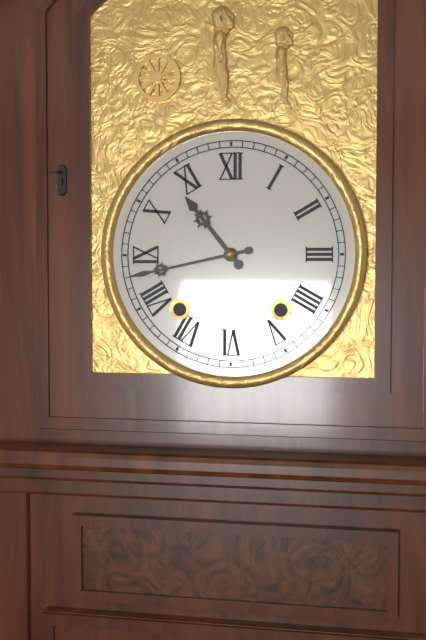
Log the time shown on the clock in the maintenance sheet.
10:43
